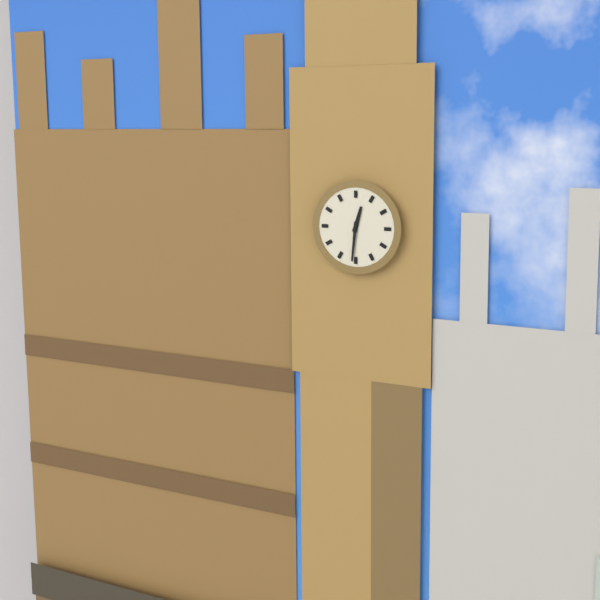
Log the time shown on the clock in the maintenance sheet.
12:31
